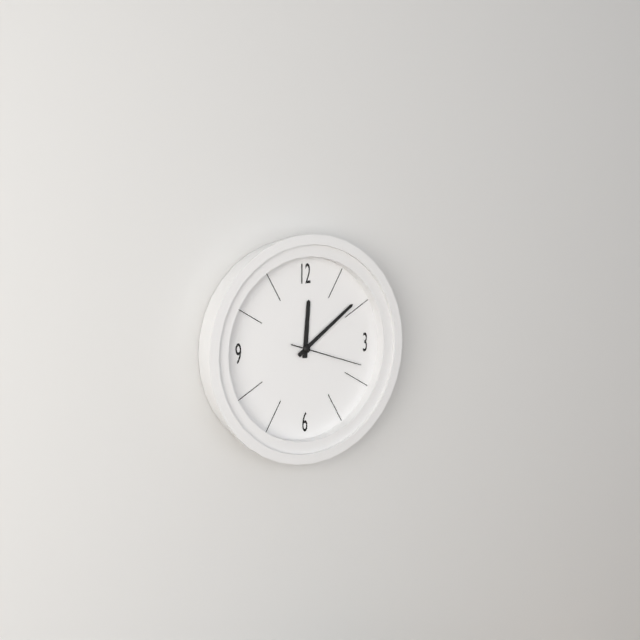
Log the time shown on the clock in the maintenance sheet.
12:09:18
